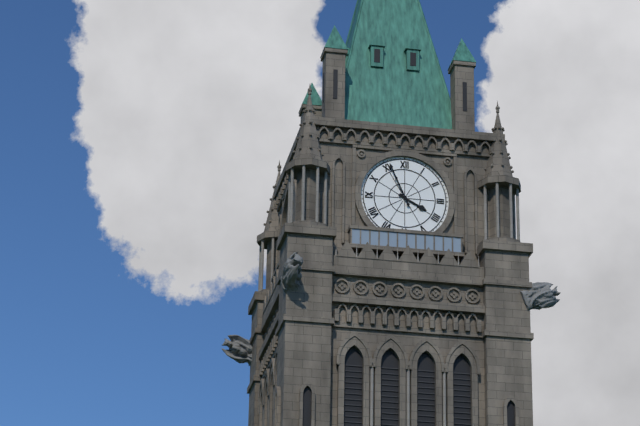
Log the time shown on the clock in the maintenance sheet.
3:56
